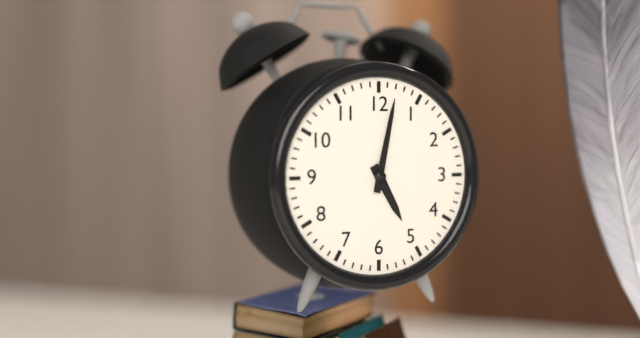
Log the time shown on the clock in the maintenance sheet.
5:02
